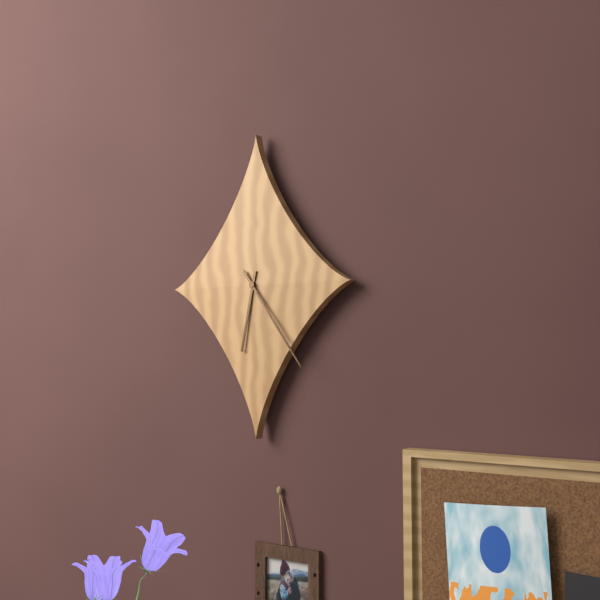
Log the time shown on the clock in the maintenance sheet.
6:24
